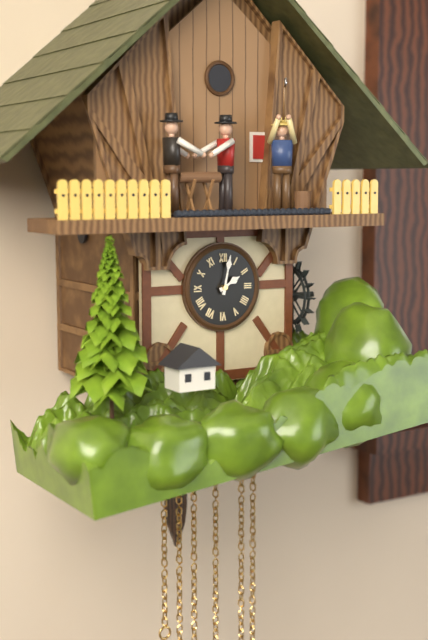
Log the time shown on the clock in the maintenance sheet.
2:02
